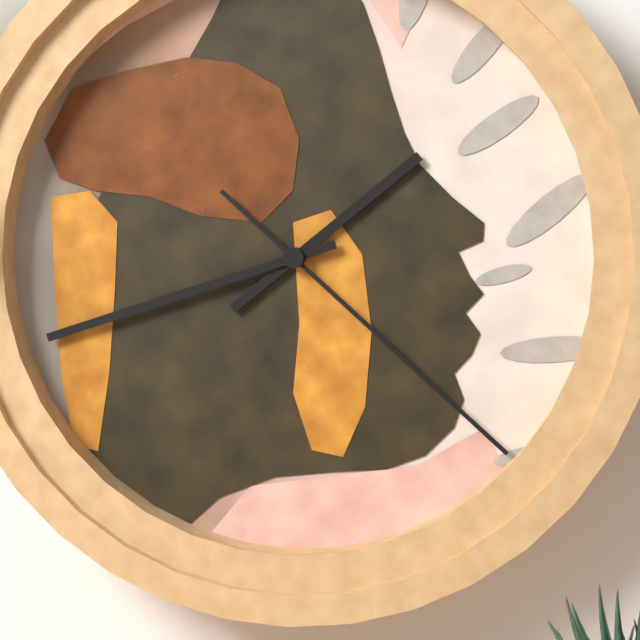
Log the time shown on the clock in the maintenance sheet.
1:42:22
